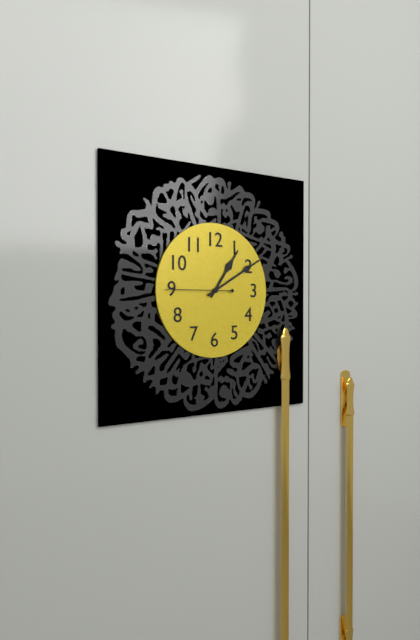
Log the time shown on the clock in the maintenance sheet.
1:10:45
